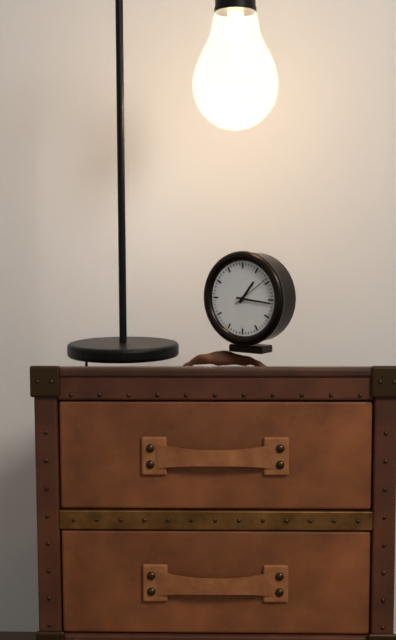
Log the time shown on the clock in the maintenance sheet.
1:16
